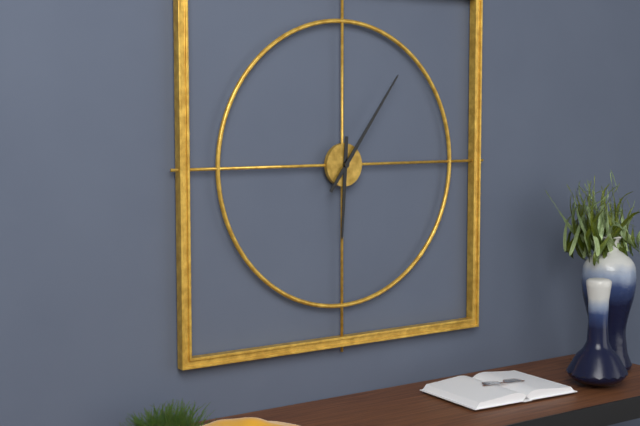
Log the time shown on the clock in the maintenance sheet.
6:06
